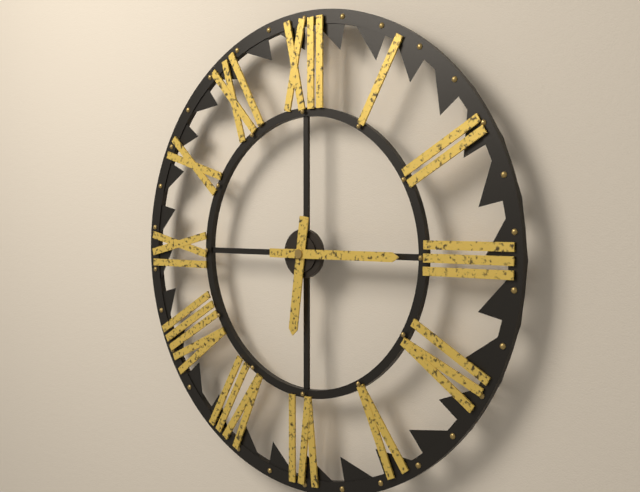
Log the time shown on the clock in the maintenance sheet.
6:15
